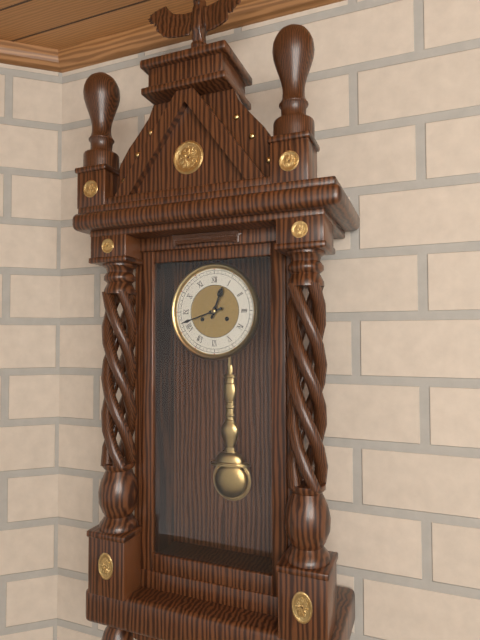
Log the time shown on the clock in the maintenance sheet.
12:42
